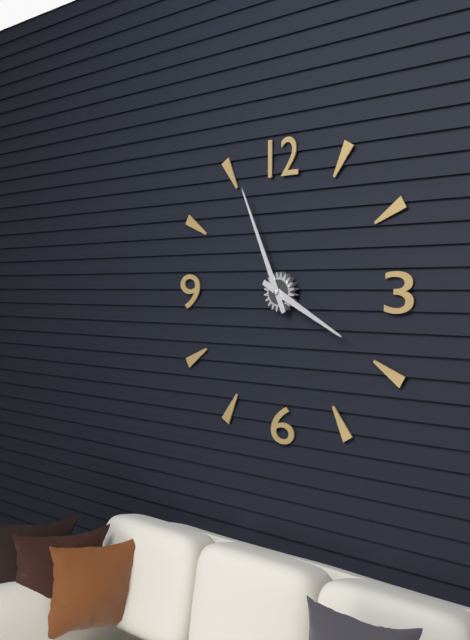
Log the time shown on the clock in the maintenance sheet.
3:56
